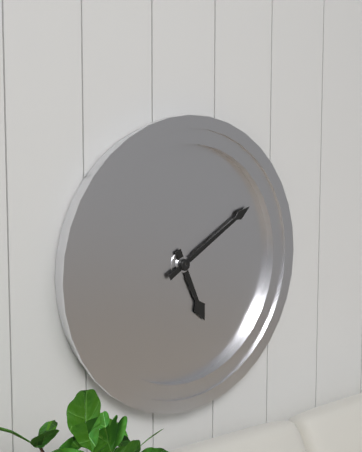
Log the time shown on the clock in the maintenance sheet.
5:10
